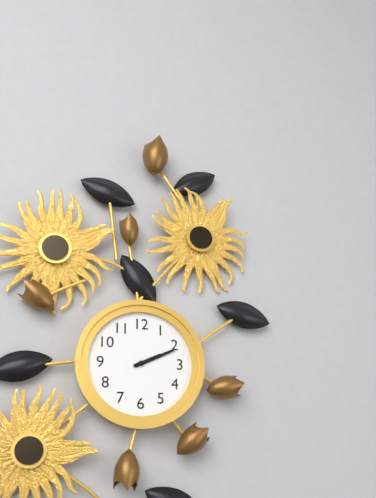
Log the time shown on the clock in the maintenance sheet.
2:11
